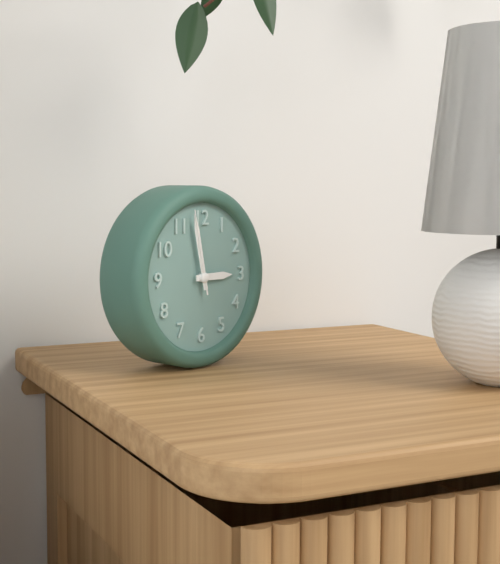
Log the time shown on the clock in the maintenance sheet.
2:58:58
